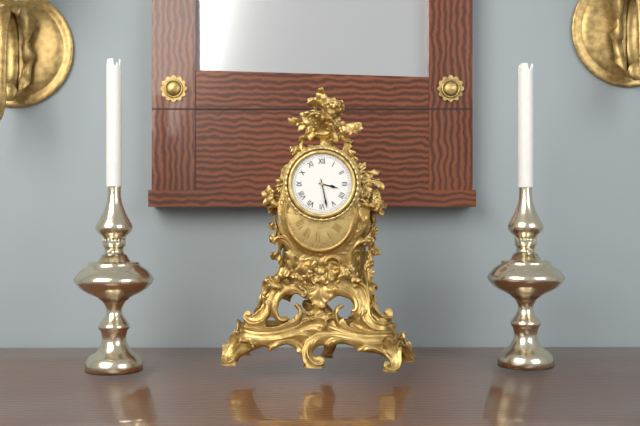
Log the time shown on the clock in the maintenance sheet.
3:28
